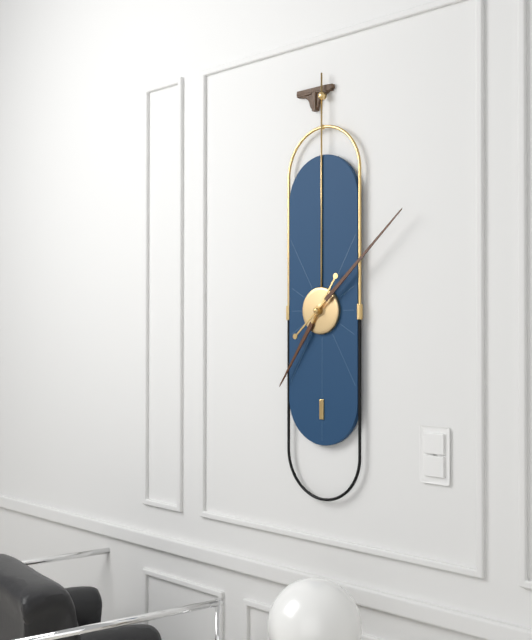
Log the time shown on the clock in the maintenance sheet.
7:08
